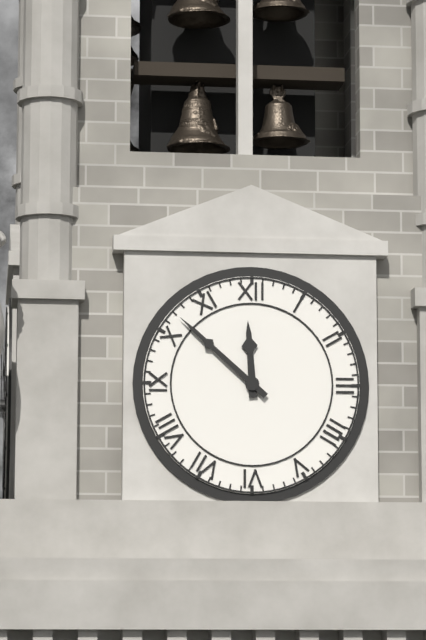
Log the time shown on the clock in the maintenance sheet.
11:52
